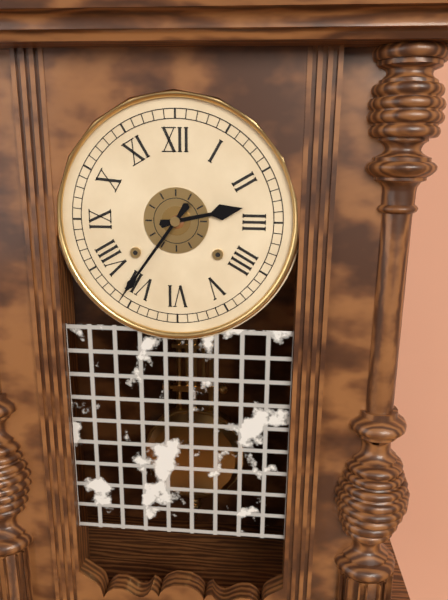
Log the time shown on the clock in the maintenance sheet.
2:36
